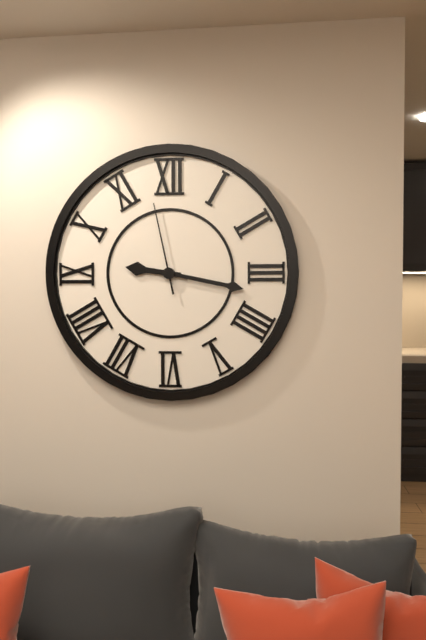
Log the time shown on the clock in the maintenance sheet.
9:17:58
